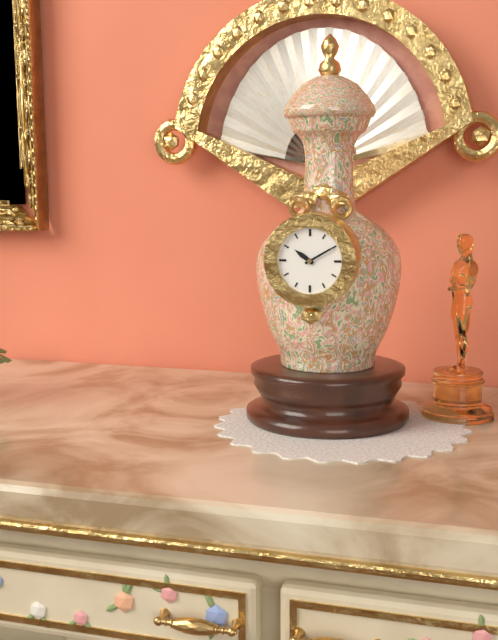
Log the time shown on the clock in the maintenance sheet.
10:10
